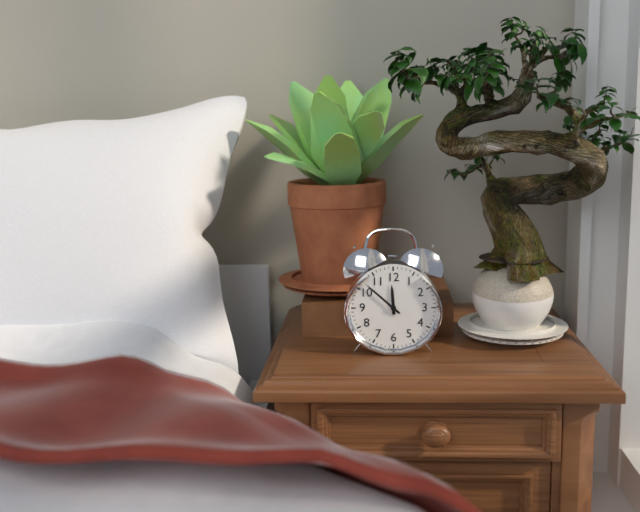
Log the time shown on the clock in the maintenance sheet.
11:52
